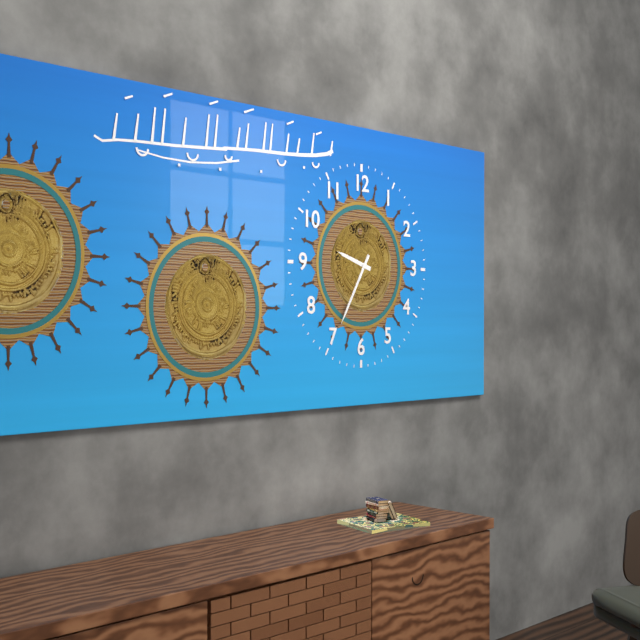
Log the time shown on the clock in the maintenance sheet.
9:35
